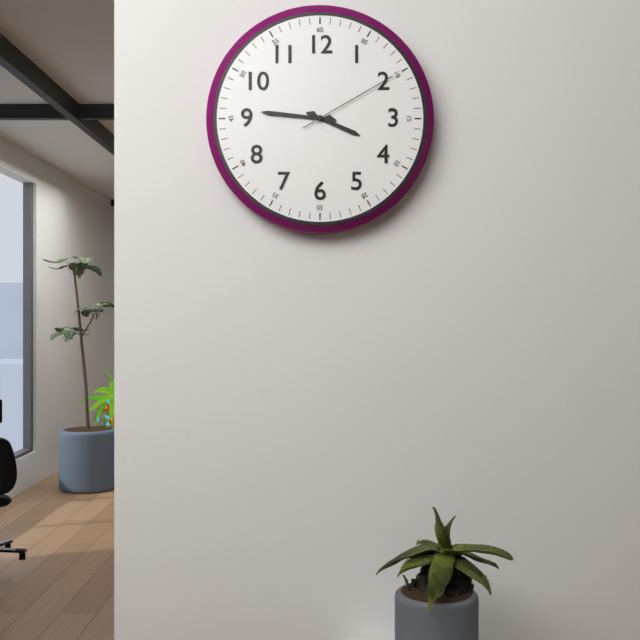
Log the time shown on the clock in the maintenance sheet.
3:46:10
